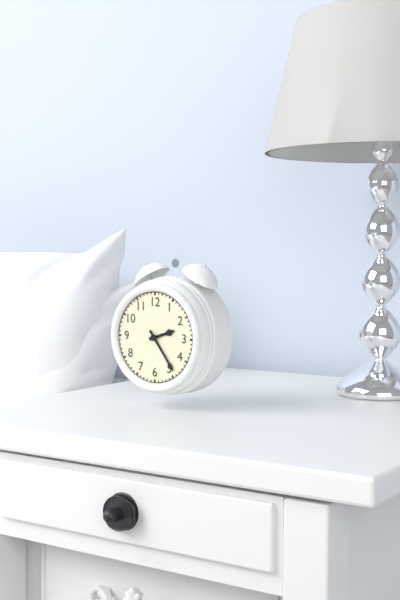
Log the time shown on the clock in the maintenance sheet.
2:24
